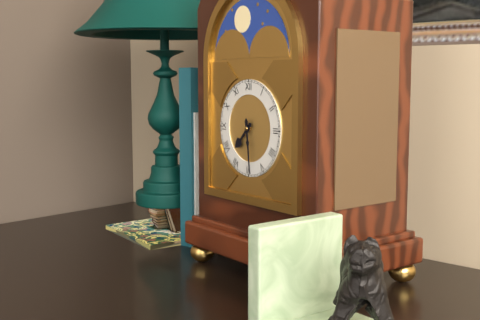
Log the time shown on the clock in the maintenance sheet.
7:29
